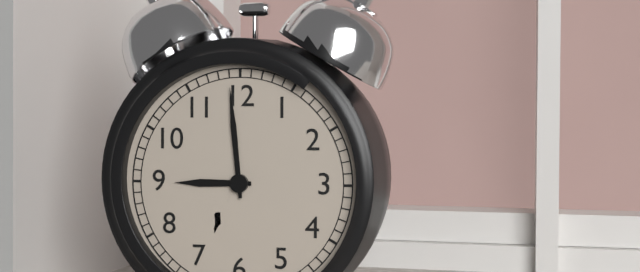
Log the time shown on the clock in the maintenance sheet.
8:59
